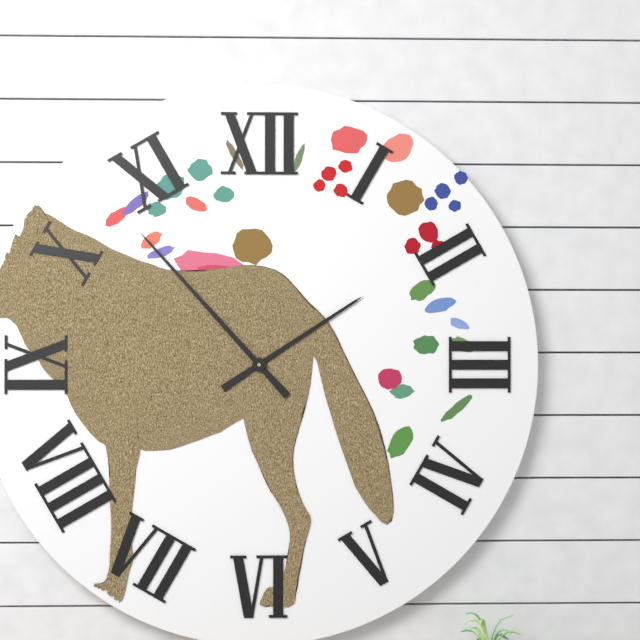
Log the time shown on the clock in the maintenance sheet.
1:53
